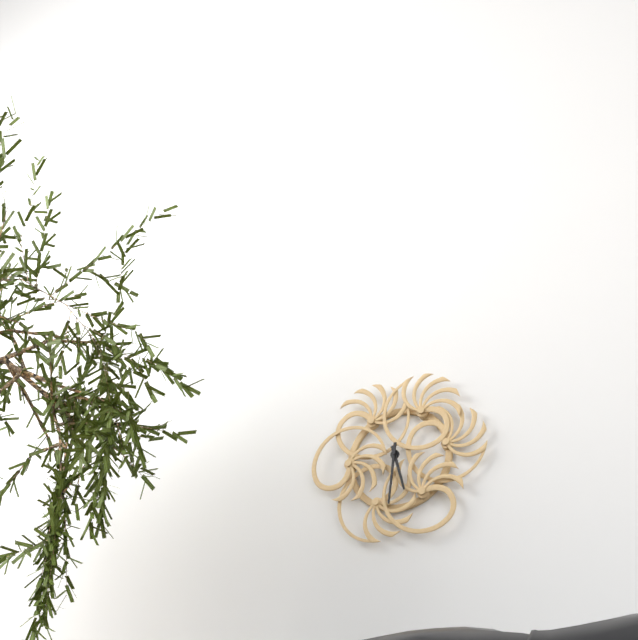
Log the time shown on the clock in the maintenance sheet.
5:31
